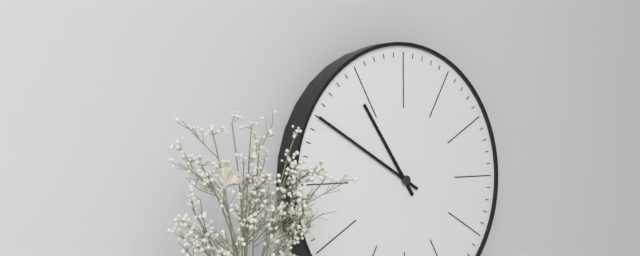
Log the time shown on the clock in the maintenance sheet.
10:50
